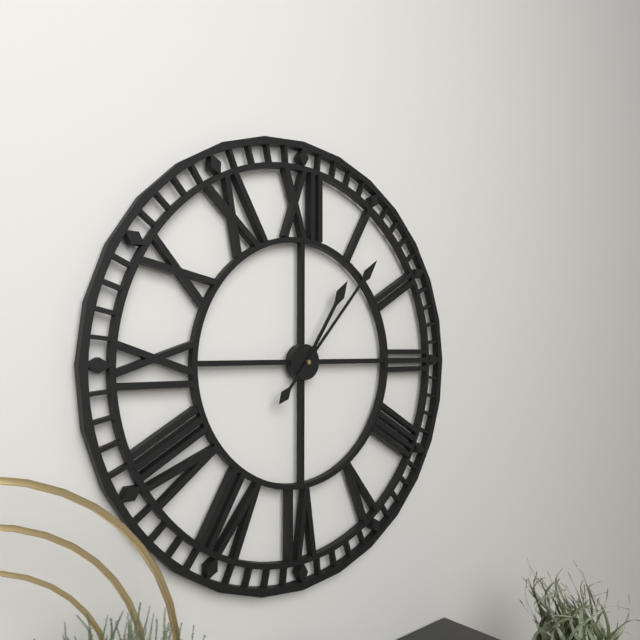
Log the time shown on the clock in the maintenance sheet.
1:07
